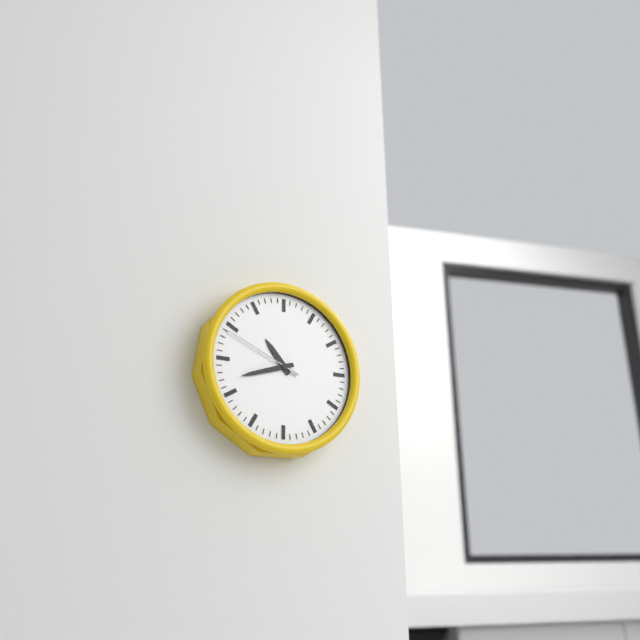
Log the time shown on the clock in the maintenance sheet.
10:42:49
